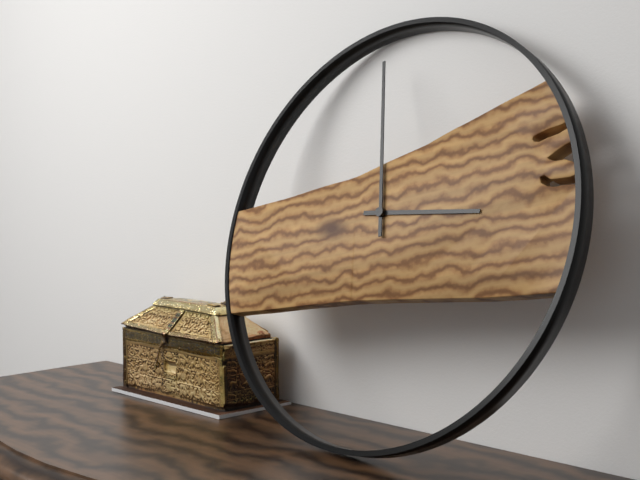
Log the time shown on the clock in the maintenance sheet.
2:58
